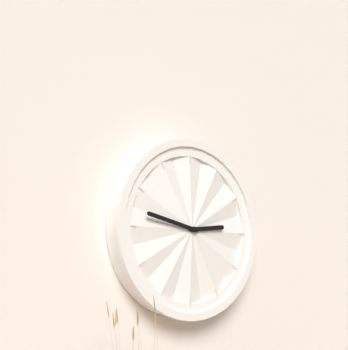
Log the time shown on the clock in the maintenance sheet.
2:47
